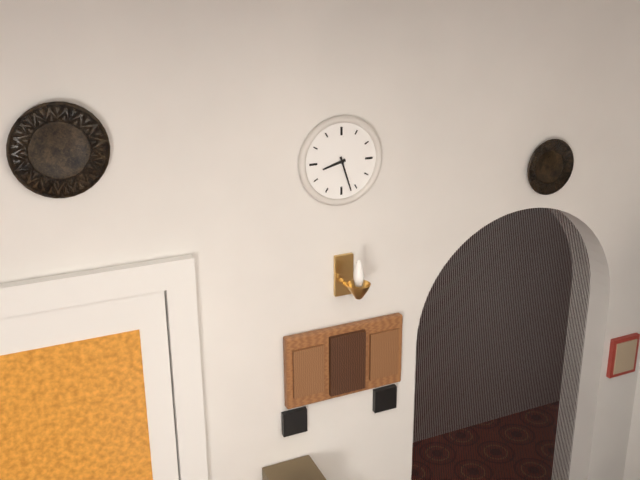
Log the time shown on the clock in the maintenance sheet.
8:27
